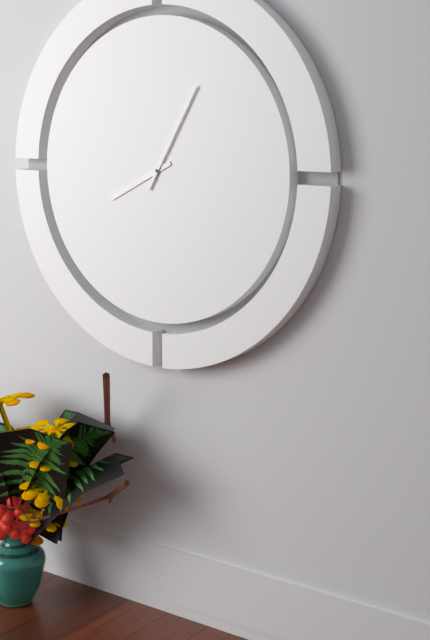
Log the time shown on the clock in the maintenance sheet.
8:05
